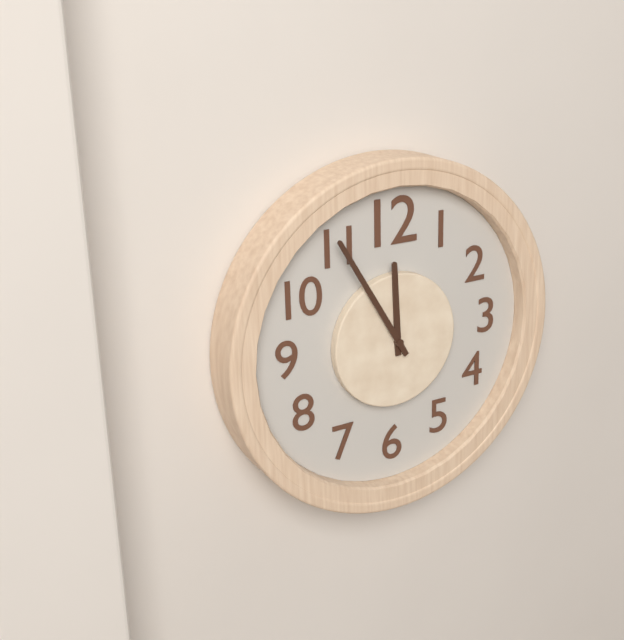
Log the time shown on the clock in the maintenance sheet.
11:55
